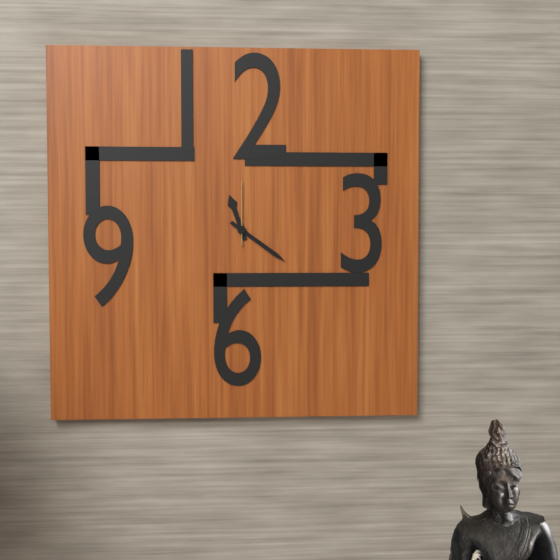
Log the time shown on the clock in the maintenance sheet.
11:21:00
